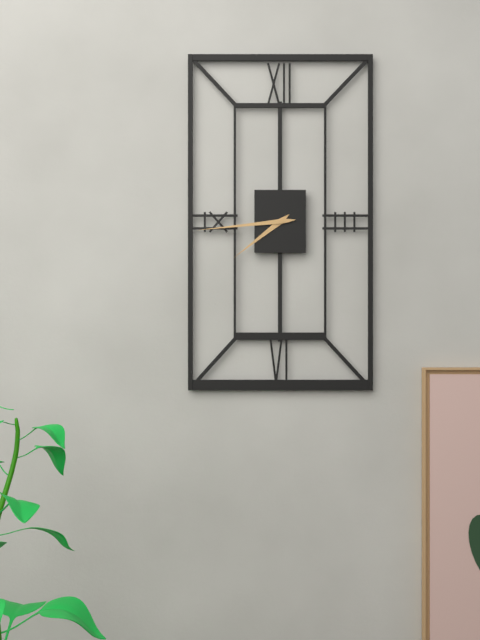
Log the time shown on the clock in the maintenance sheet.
7:44
